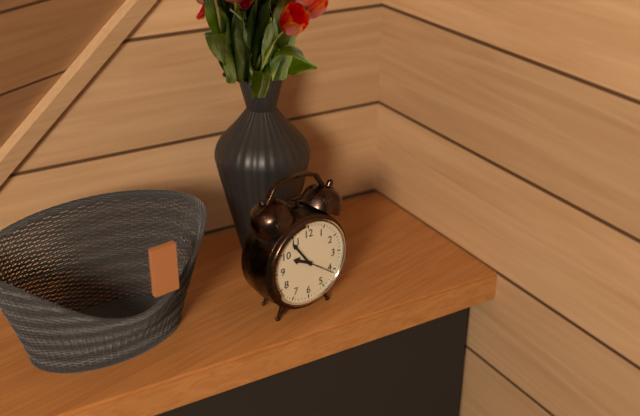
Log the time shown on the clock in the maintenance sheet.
9:54
